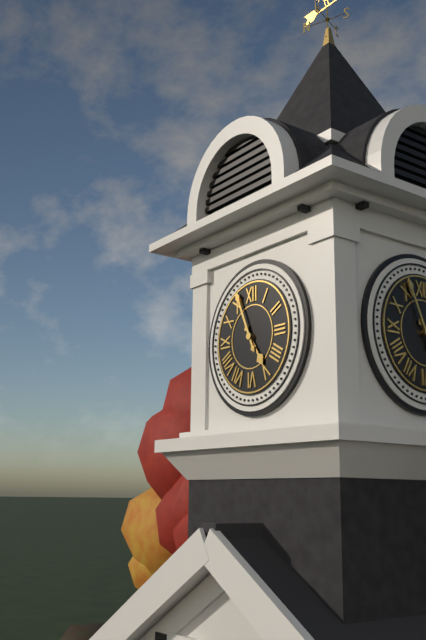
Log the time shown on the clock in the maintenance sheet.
4:56
